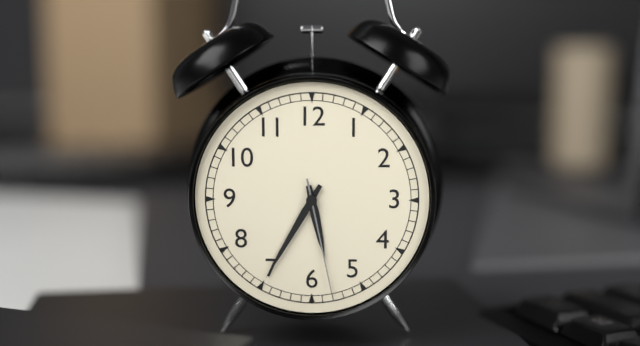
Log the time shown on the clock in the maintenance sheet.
5:35:28
